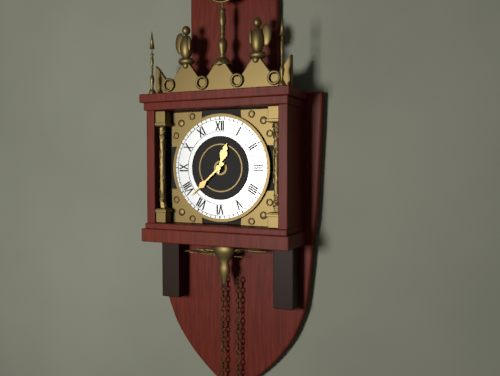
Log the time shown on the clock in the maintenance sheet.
12:38
